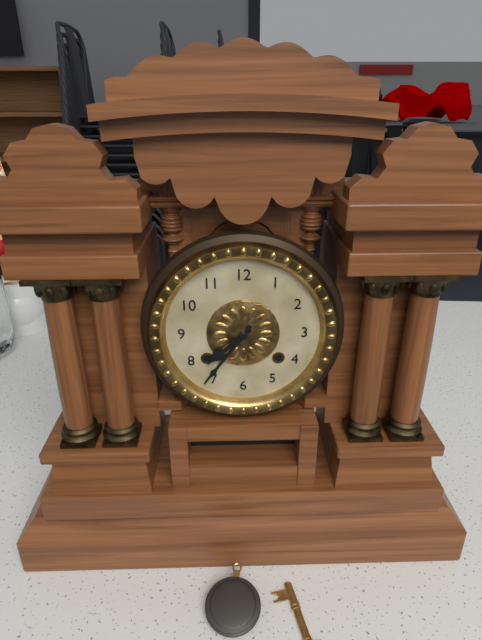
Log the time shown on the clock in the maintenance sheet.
7:36
